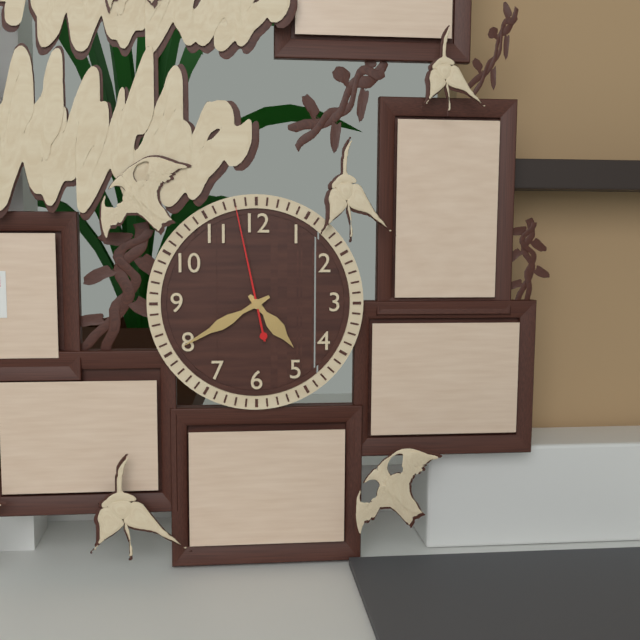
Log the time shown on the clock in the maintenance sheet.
4:40:58
